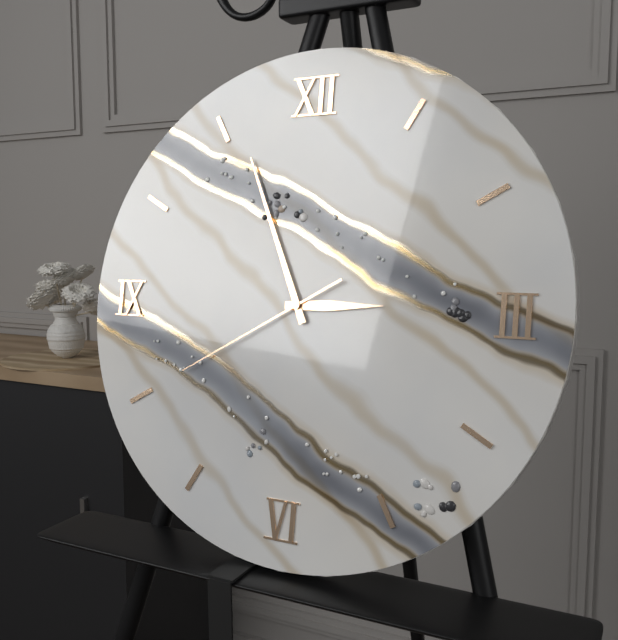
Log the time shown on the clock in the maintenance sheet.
2:56:40
